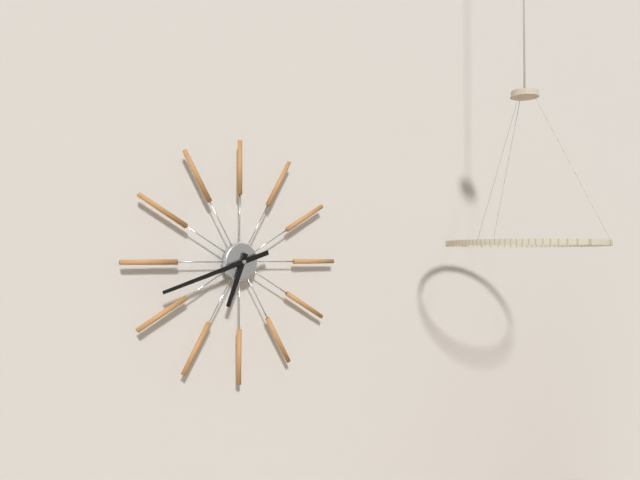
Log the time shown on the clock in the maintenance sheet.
6:42
